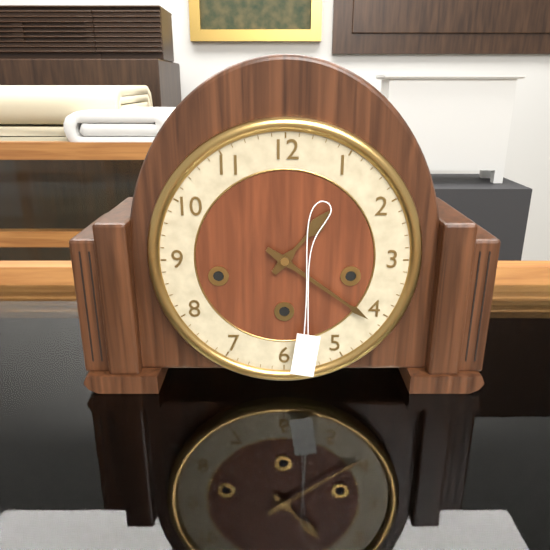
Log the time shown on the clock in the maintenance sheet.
1:21
